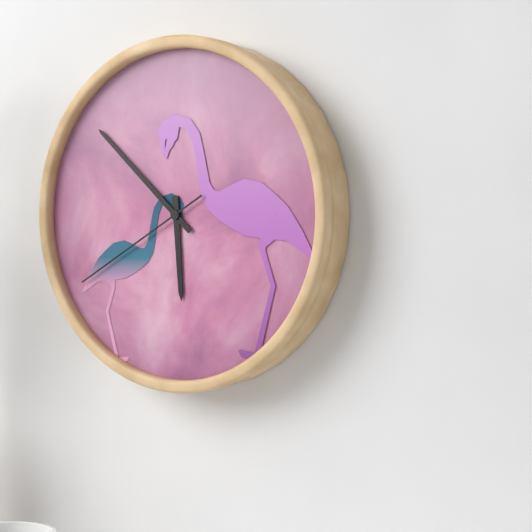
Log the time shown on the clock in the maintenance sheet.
5:52:40
